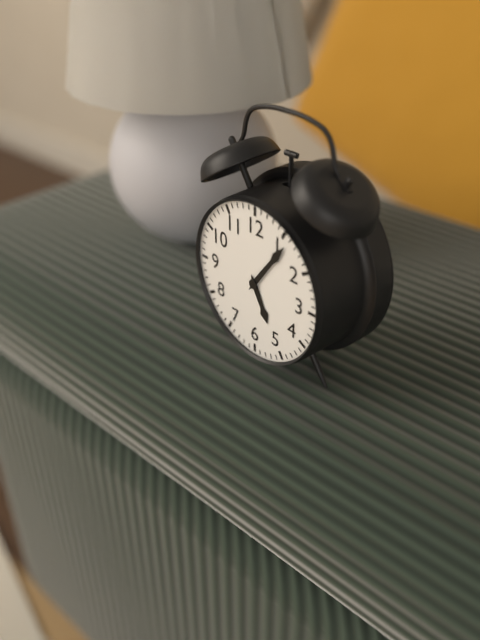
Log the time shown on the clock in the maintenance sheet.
5:06
